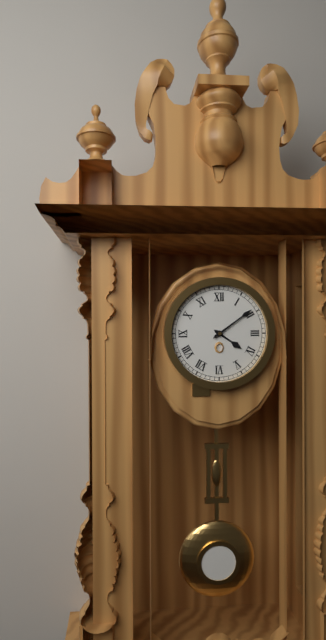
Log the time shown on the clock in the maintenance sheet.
4:09
